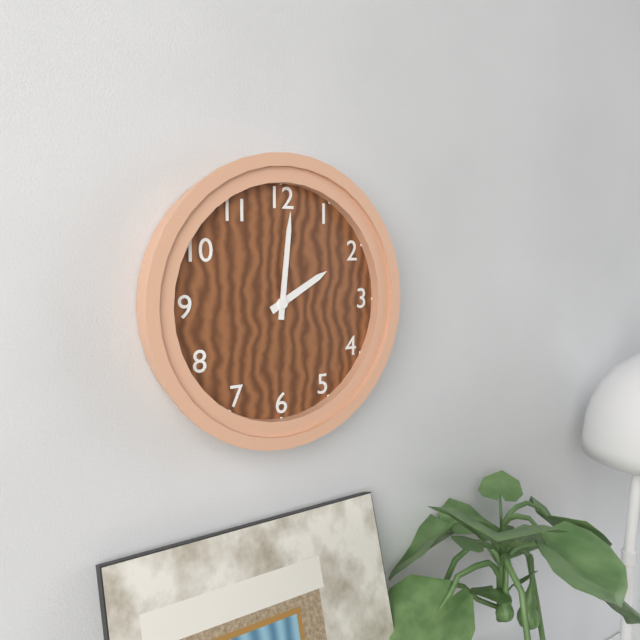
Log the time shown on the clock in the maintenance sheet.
2:01
